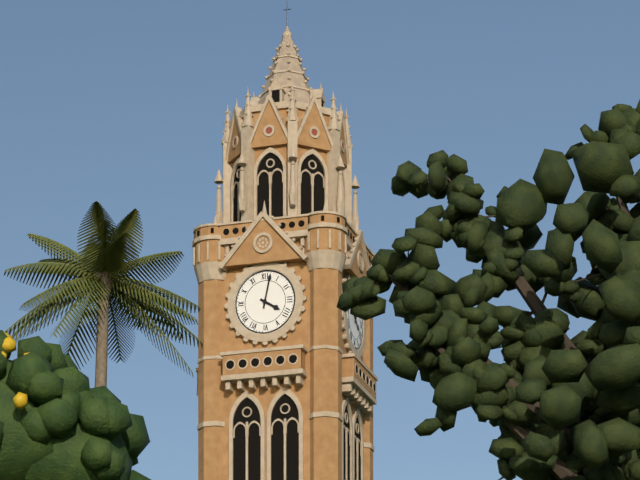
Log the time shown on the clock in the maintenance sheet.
4:02
